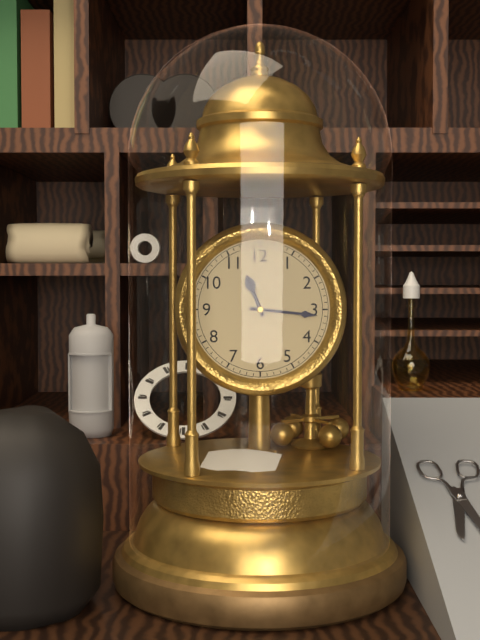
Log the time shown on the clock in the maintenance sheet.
11:16
